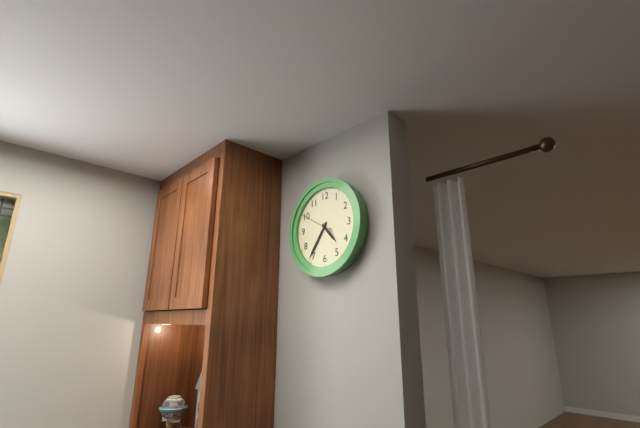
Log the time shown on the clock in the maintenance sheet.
4:36
